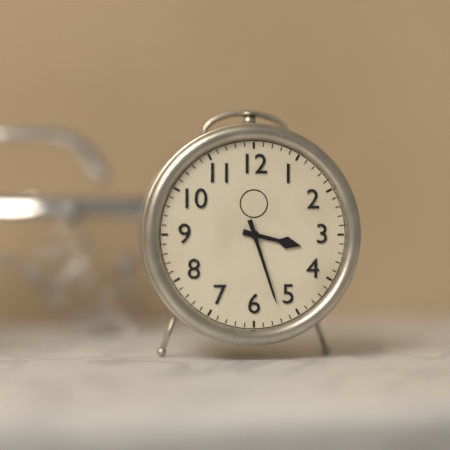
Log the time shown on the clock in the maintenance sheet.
3:27
